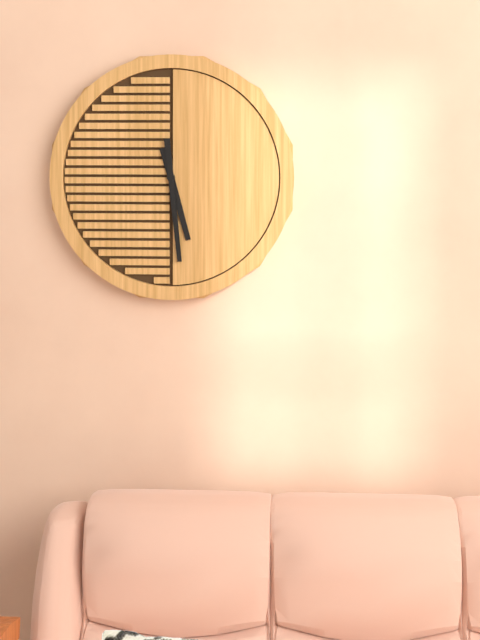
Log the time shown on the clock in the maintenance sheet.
5:29
